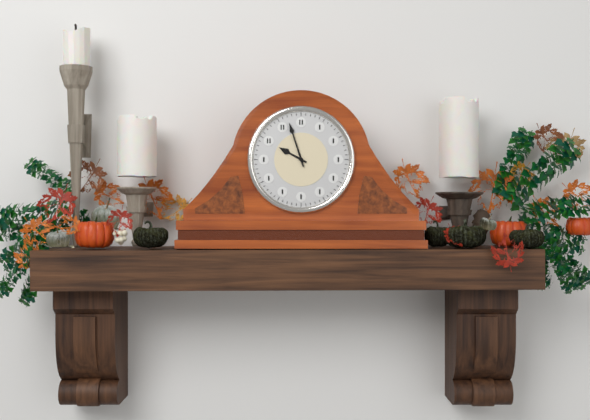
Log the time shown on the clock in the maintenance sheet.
9:57
